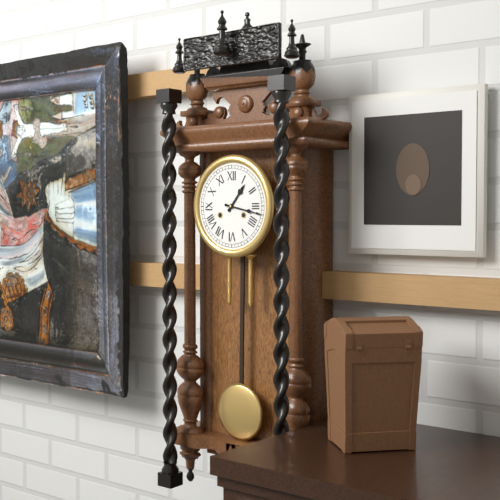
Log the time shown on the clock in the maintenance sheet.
1:17
